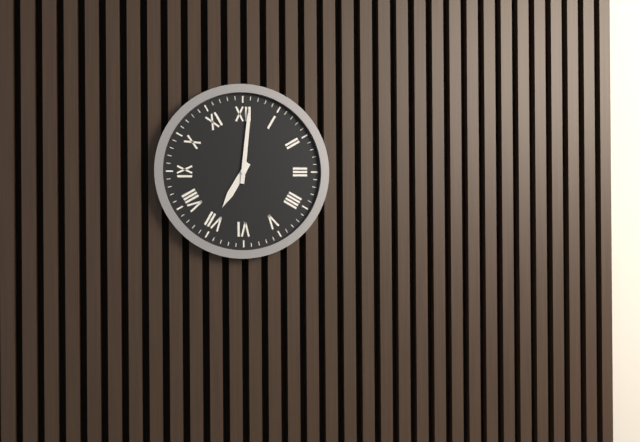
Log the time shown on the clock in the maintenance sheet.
7:01
